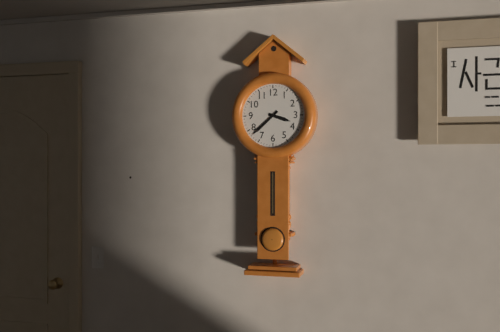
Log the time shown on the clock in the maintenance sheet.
3:38
